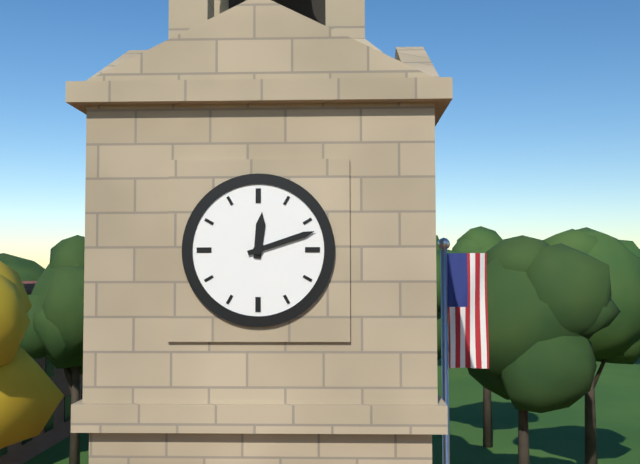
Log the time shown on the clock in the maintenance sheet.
12:12
